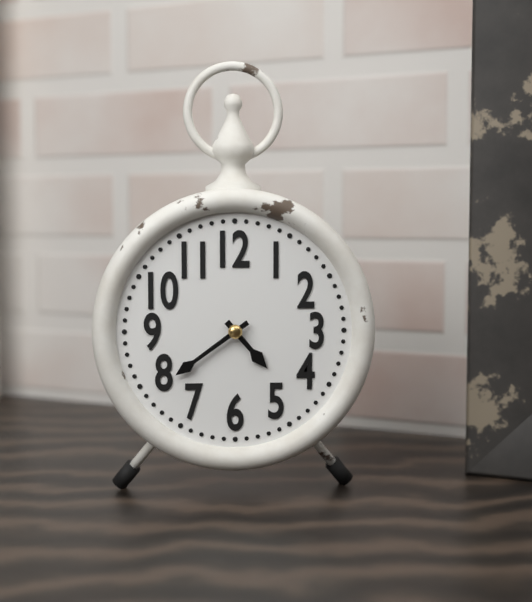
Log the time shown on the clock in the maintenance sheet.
4:39
